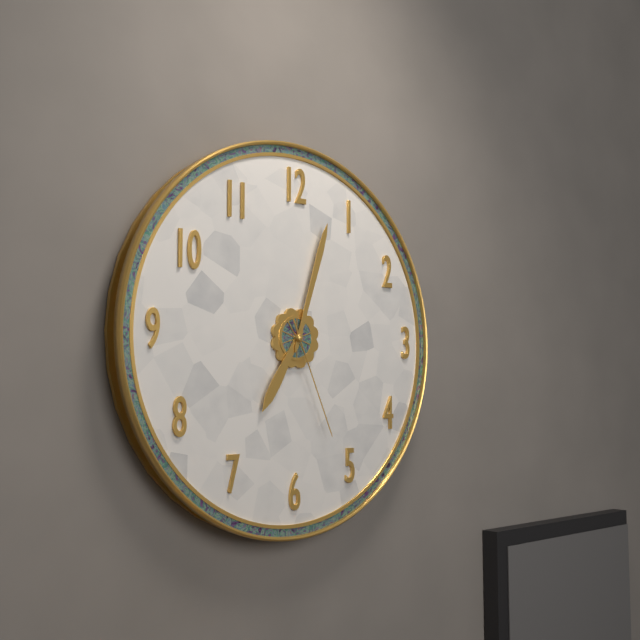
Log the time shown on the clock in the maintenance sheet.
7:03:26
